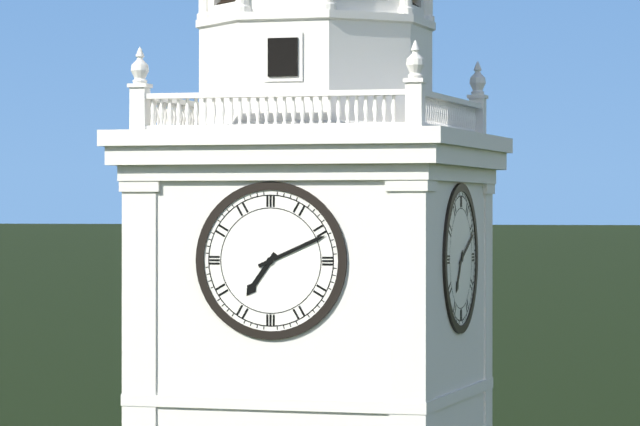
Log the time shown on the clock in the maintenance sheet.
7:11
